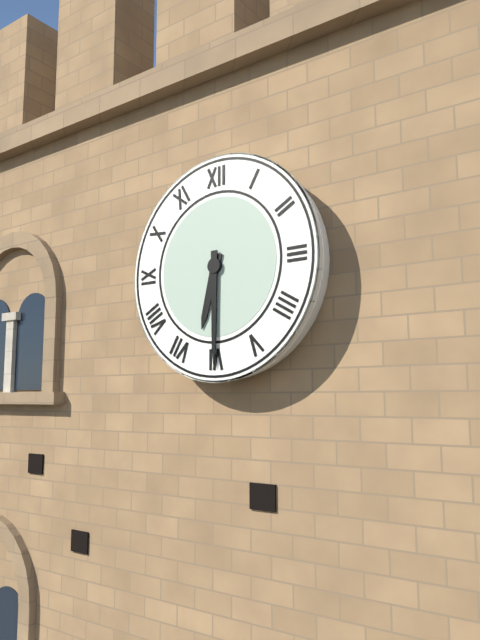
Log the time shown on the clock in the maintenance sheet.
6:30
